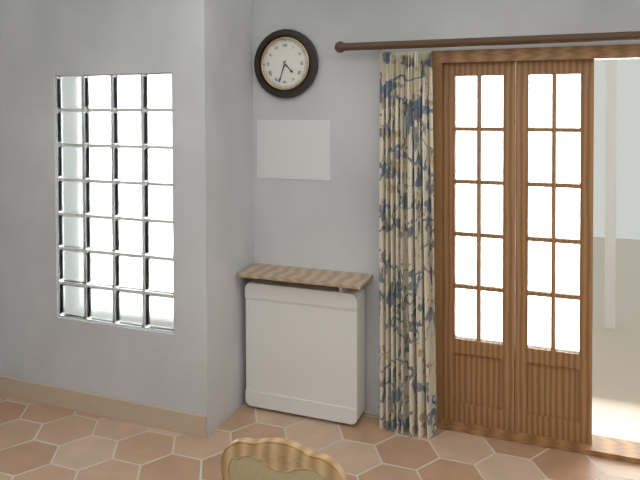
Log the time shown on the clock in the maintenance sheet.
4:33
